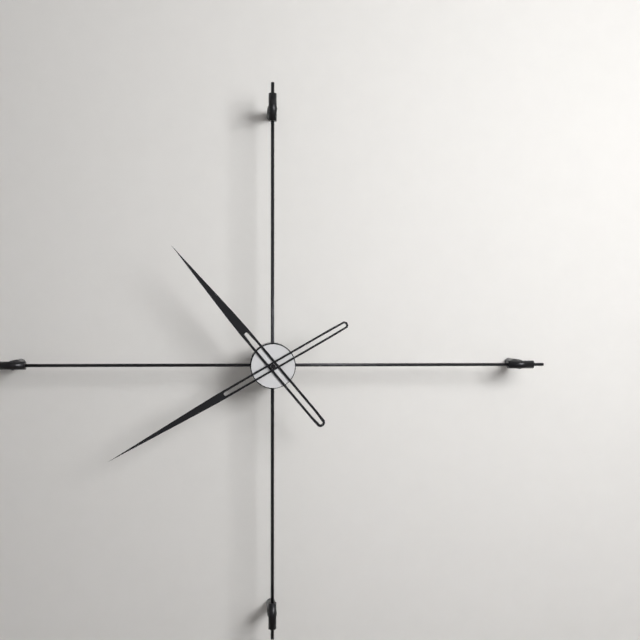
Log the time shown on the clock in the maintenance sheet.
10:40
